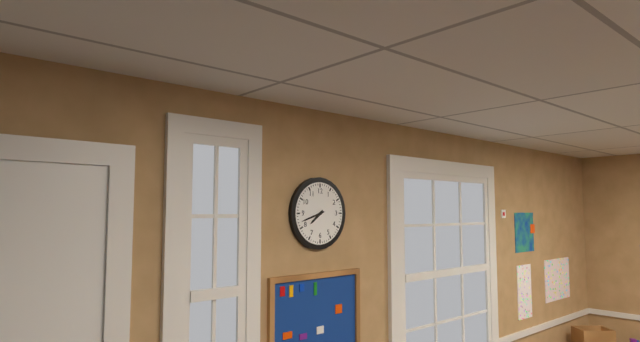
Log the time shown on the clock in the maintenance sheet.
7:42
